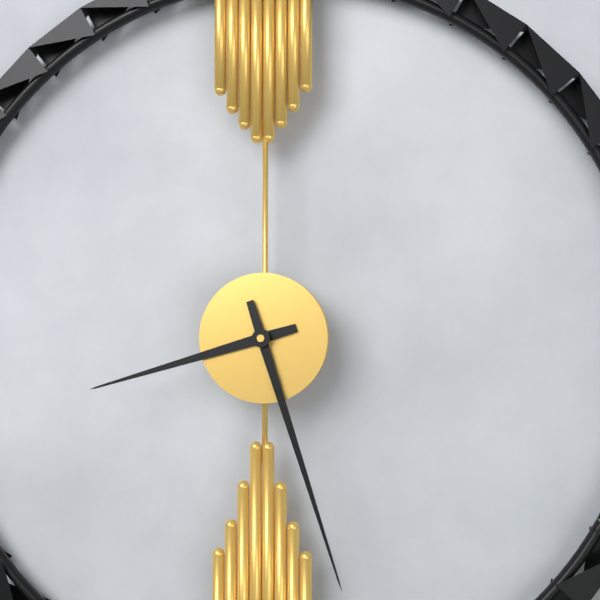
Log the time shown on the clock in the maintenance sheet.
8:27
